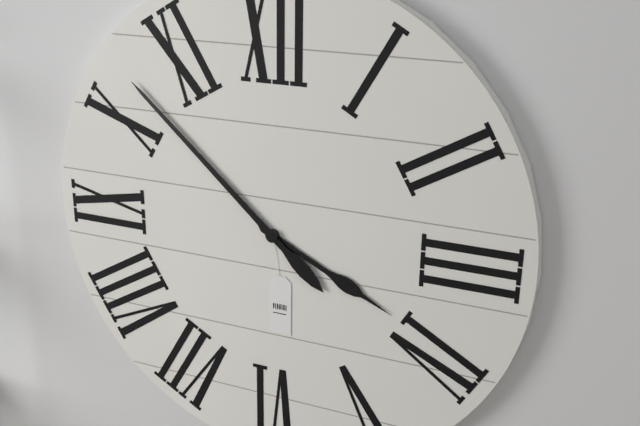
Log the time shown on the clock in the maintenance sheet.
3:52
